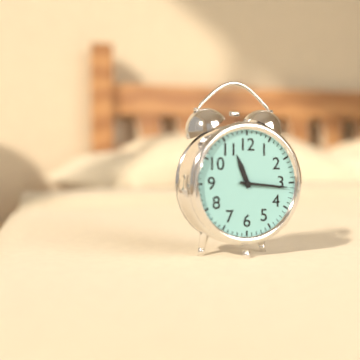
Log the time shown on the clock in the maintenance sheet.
11:16
